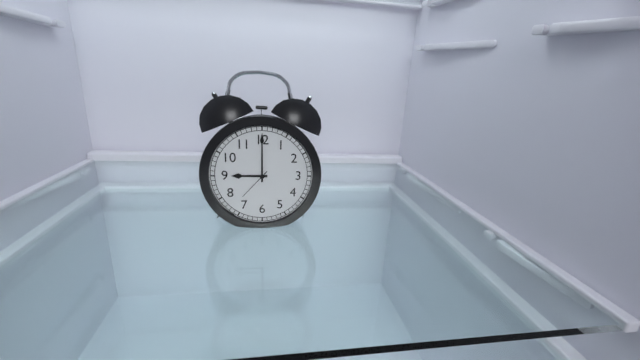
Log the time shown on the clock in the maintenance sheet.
9:00
